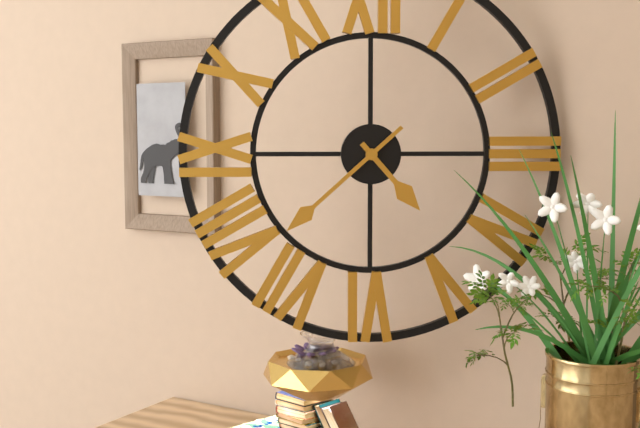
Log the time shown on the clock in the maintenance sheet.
4:38
